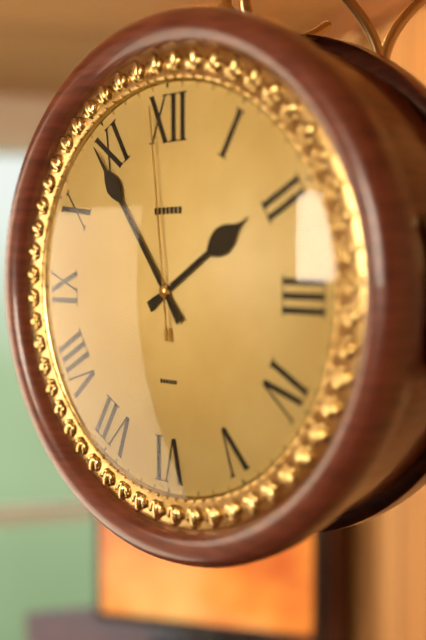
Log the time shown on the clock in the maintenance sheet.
1:54:59
